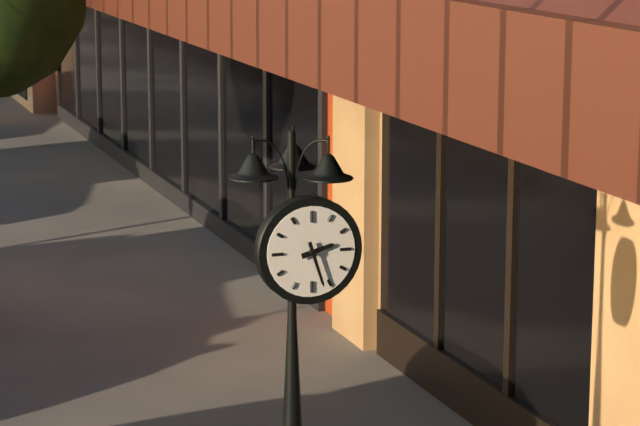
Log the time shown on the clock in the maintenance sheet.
2:27
